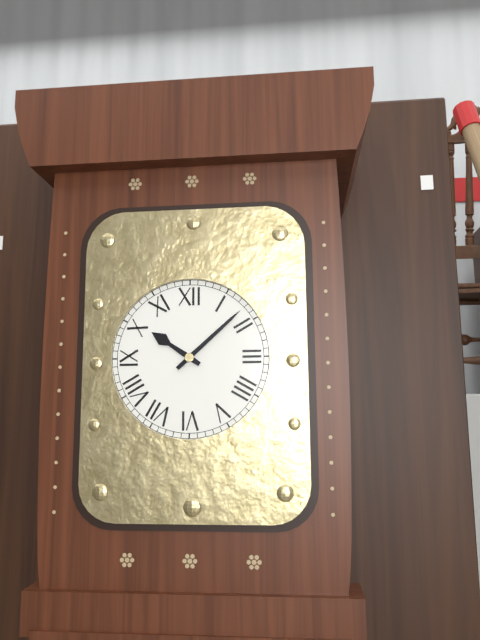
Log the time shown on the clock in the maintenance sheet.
10:08
